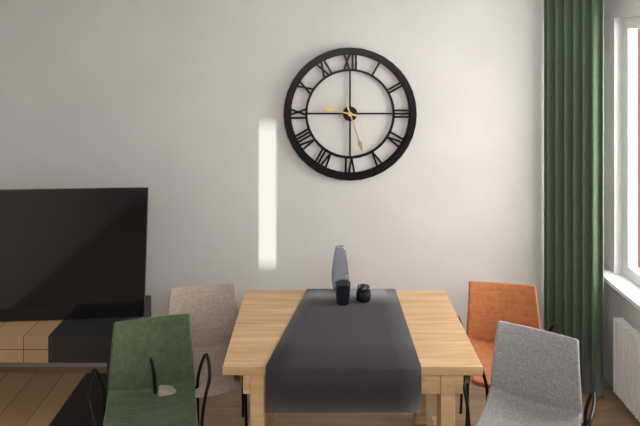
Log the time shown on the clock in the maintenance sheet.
9:27
